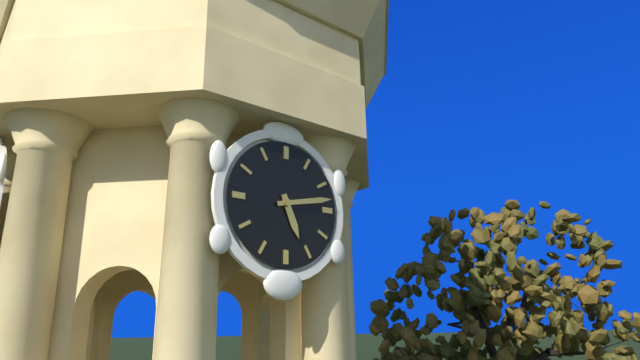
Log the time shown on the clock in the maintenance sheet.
5:13
